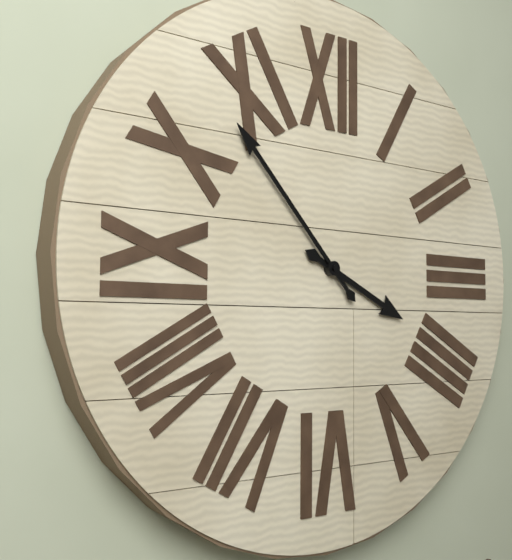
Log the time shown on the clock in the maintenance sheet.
3:53
